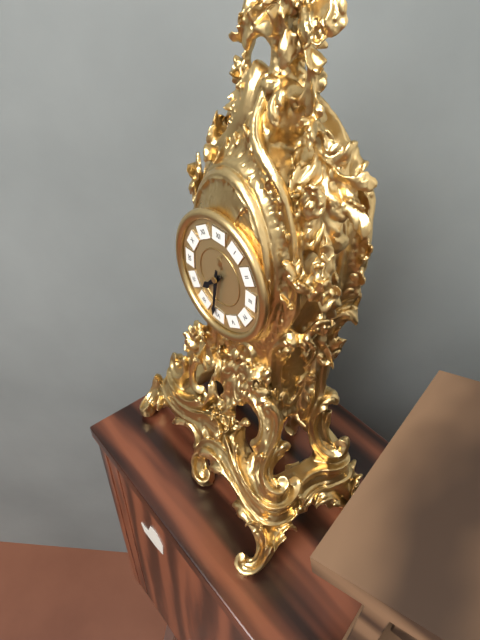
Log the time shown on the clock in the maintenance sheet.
7:31
